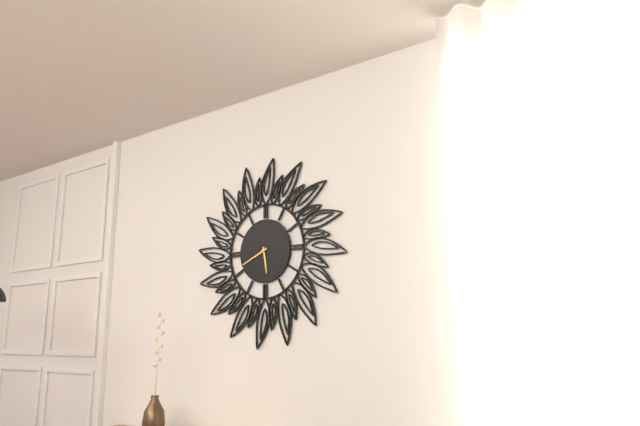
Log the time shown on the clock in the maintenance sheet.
5:41
